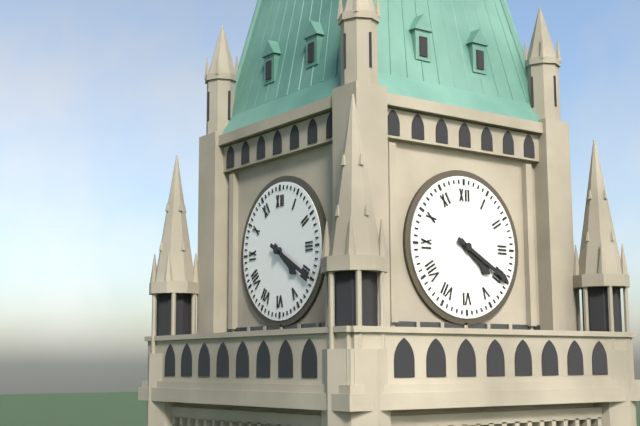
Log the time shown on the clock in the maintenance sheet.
4:20
